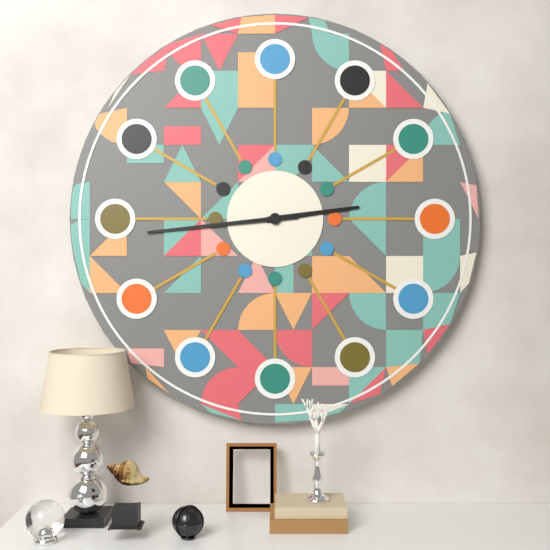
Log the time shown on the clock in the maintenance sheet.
2:44
